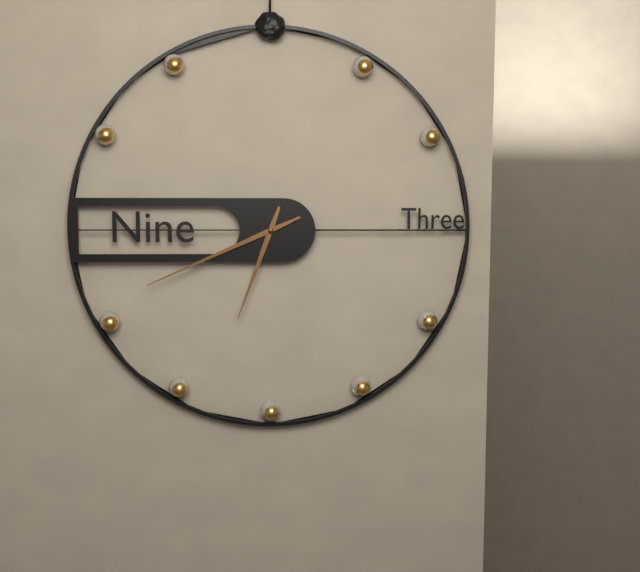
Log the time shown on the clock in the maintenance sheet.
6:41
